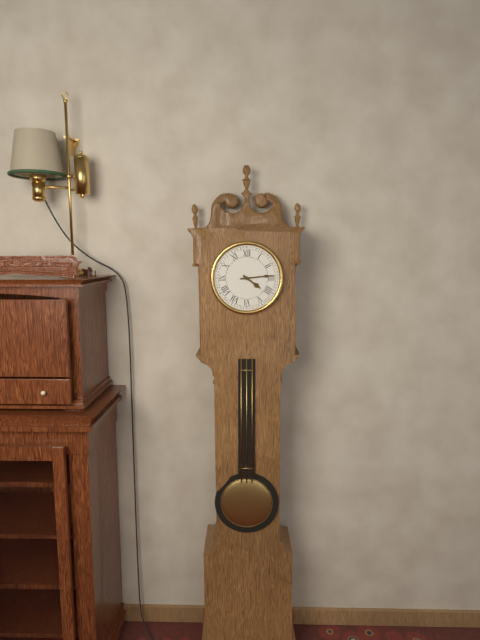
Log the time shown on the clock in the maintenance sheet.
4:14
